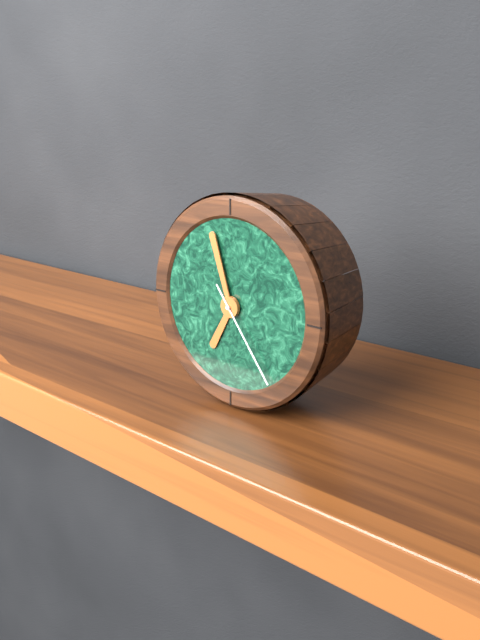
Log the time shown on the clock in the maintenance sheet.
6:57:24
